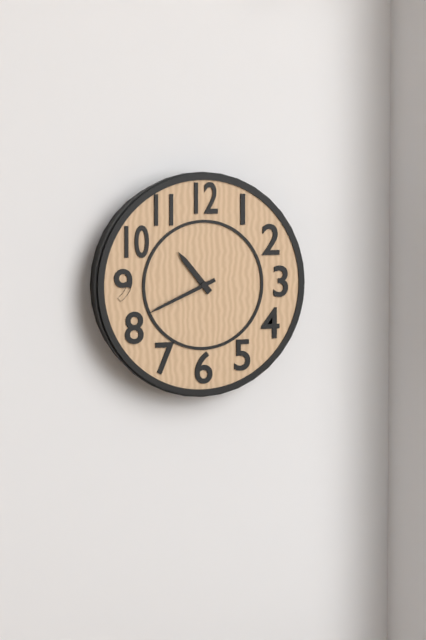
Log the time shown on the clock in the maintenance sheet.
10:41
